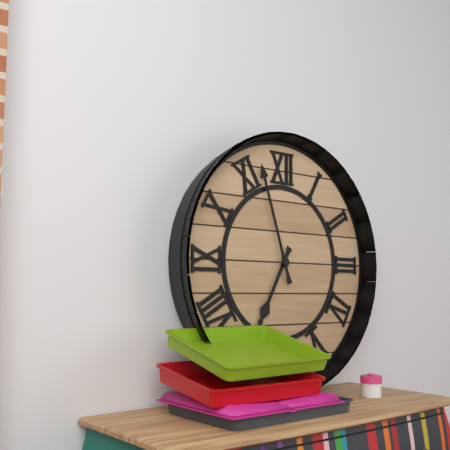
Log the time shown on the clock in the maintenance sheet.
6:57
